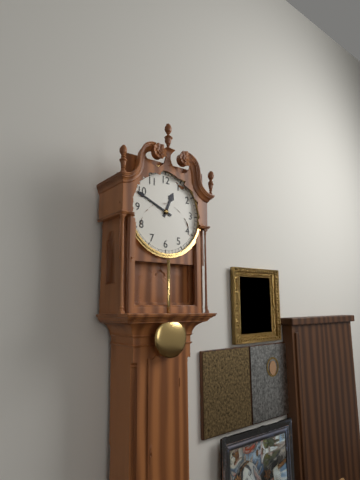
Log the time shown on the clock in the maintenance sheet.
12:49
